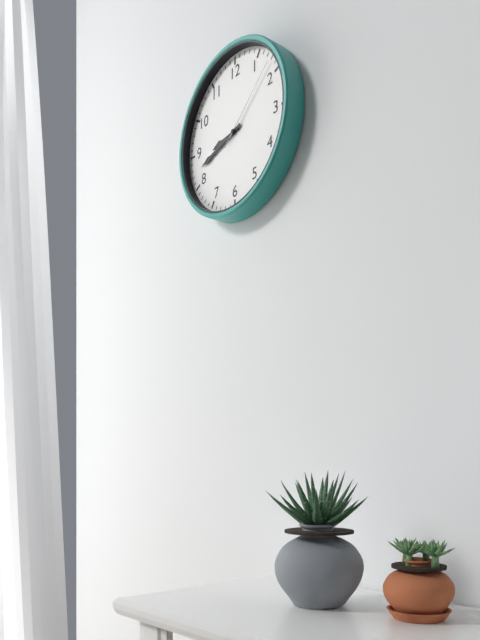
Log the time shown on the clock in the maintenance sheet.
8:42:08
